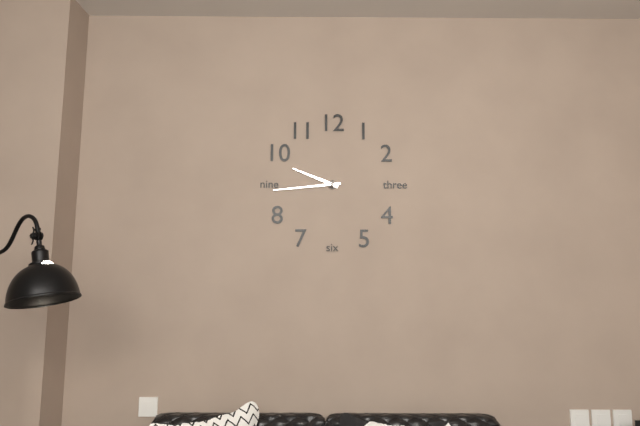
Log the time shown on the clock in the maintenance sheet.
9:44
